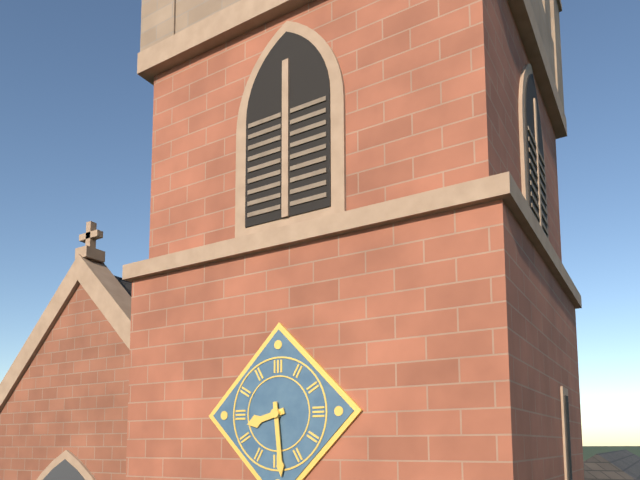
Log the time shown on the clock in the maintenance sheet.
8:29
